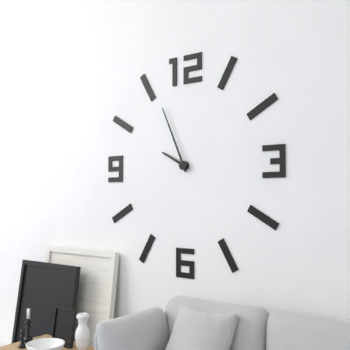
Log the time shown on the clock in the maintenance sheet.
9:56
